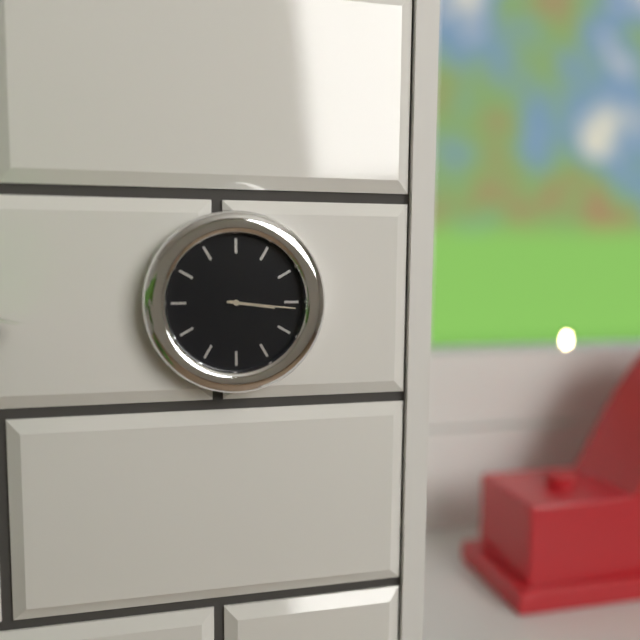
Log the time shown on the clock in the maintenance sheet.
3:16
